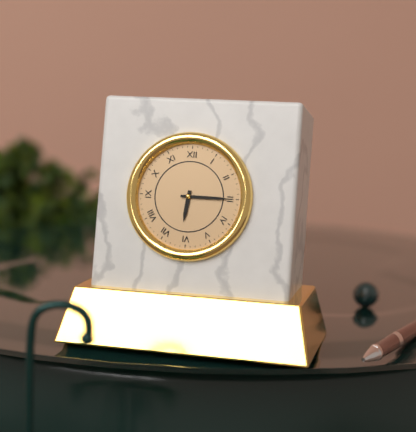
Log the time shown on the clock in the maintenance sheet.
6:15
